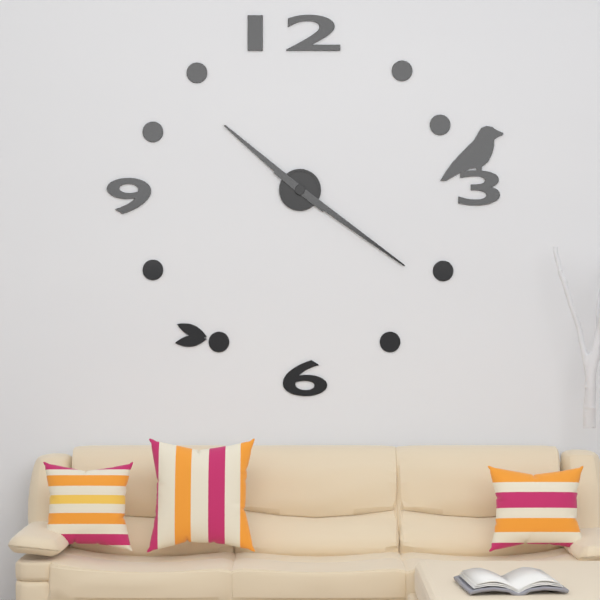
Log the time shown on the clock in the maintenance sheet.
10:21
